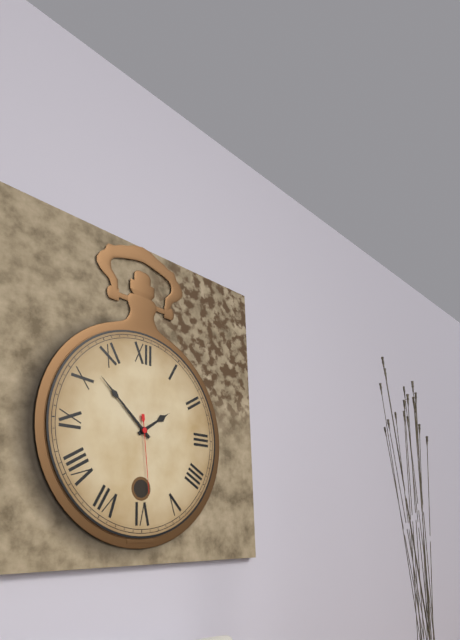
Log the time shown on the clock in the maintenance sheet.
1:52:29
